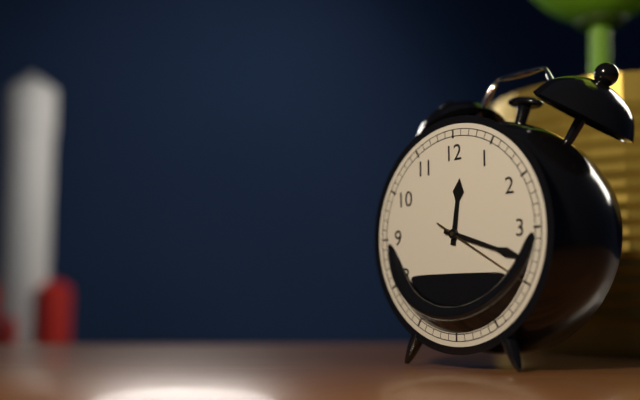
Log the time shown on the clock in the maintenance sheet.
12:18:20
